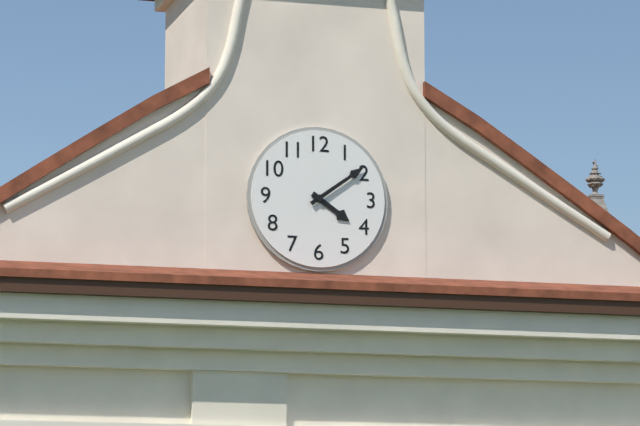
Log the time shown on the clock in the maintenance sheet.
4:09
